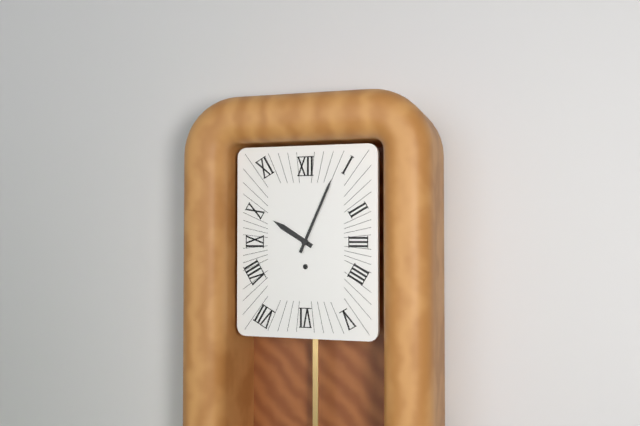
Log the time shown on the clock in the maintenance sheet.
10:04
